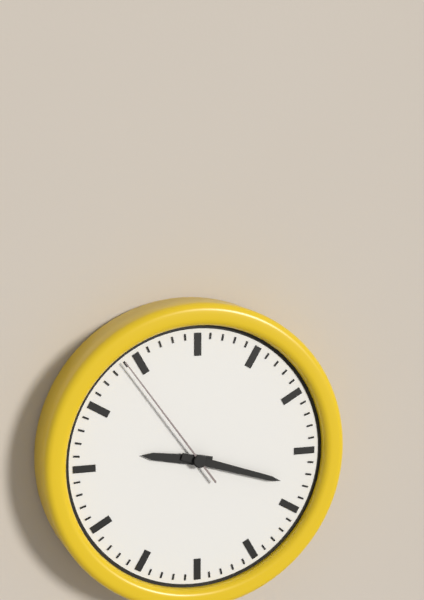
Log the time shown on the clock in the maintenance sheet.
9:18:54
